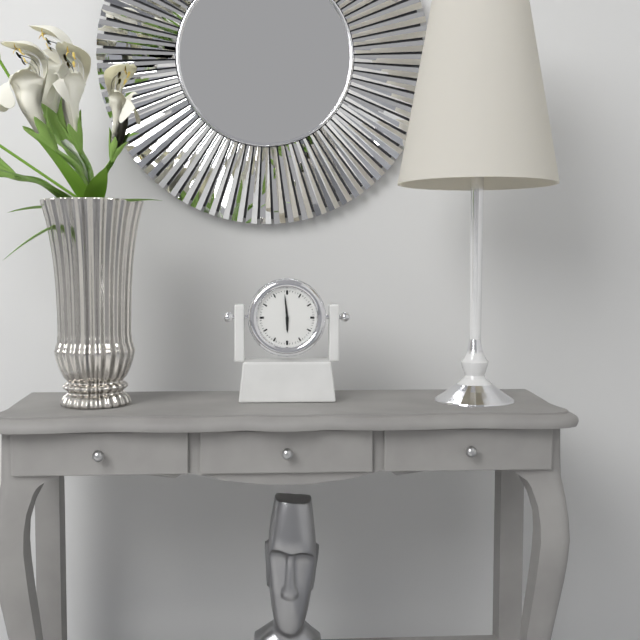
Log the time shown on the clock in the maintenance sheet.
5:59
